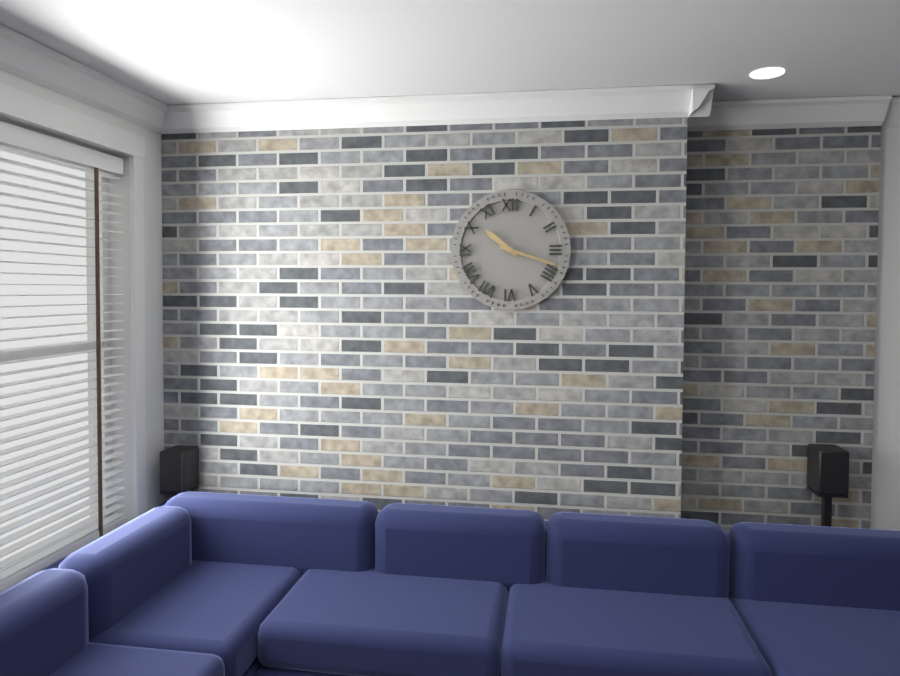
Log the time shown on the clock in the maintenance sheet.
10:18
